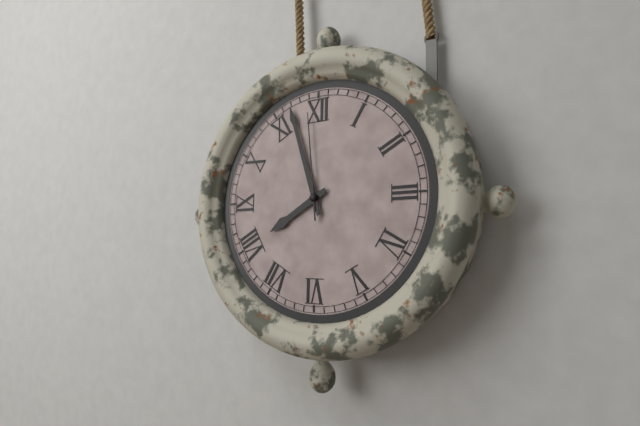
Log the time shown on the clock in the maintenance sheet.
7:57:59
